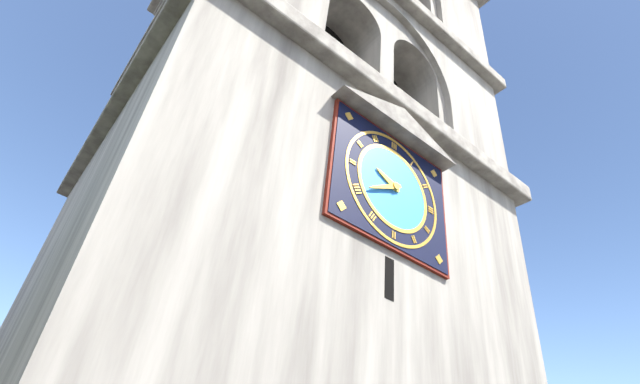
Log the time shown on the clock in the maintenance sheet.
9:40
